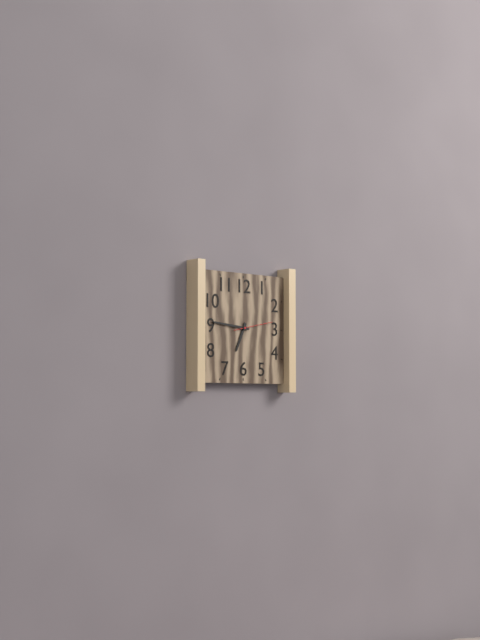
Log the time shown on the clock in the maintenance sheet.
6:46
